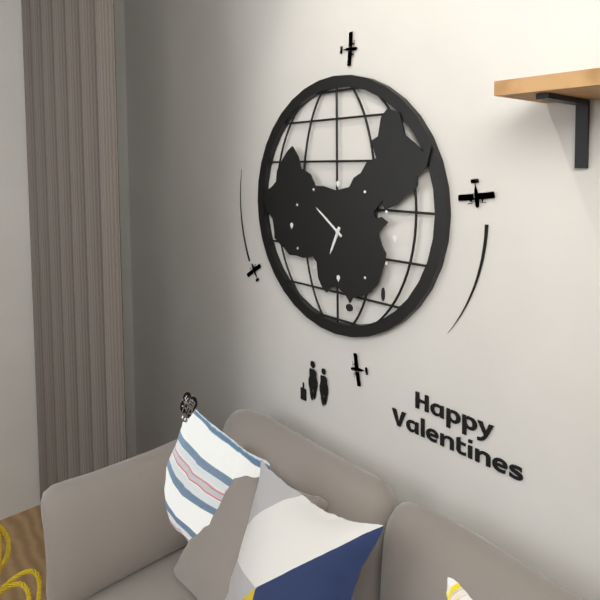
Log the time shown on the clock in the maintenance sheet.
6:51
